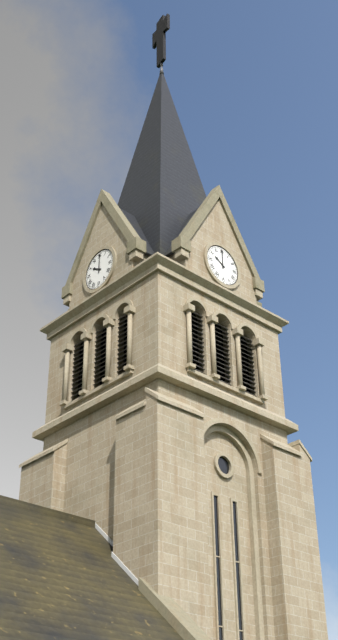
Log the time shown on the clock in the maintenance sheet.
10:00
